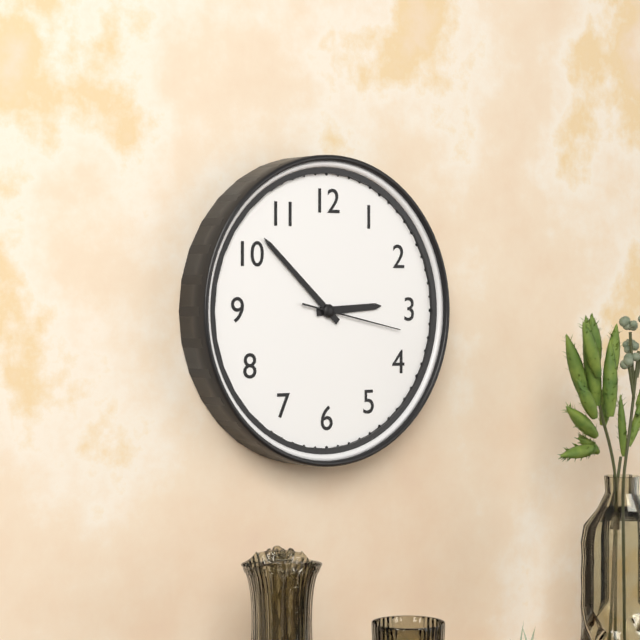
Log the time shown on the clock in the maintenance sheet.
2:52:17
